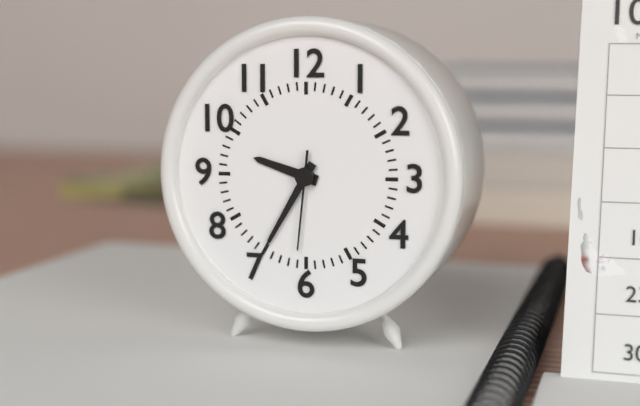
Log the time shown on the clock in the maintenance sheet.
9:35:31
